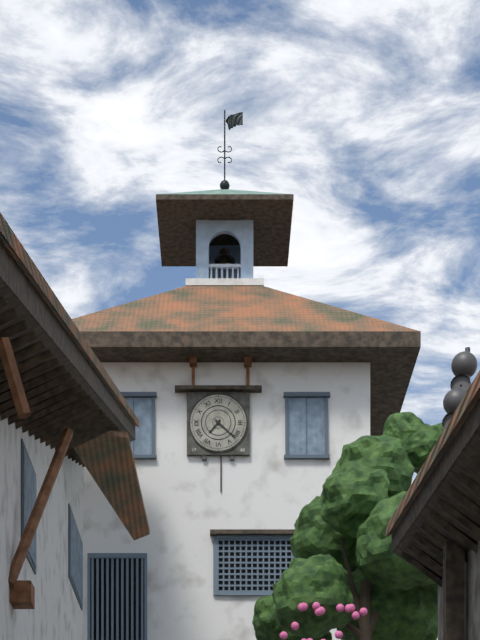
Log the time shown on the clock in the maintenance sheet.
7:22
